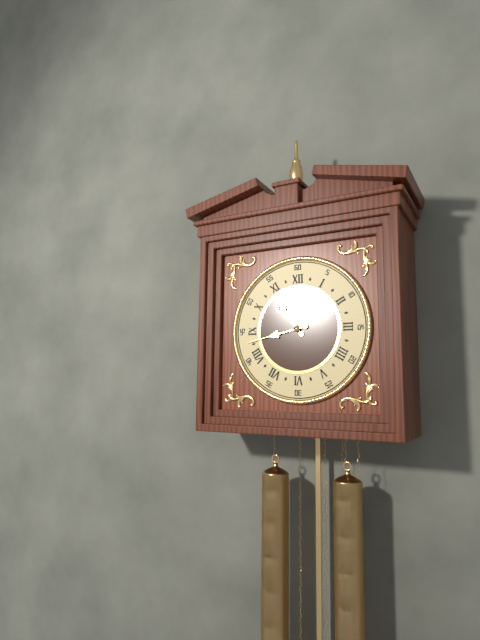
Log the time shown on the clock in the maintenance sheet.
10:43
